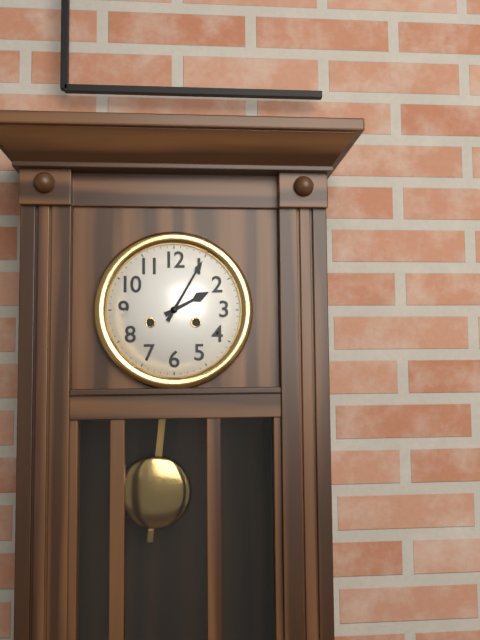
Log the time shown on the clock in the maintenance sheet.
2:05
